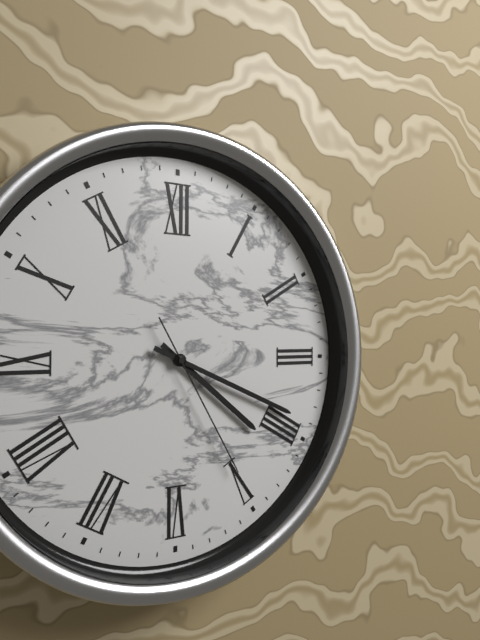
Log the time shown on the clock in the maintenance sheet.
4:19:25
